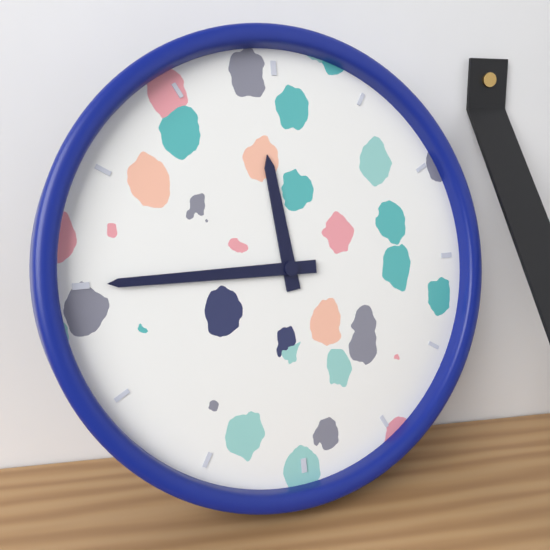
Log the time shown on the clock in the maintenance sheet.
11:45
